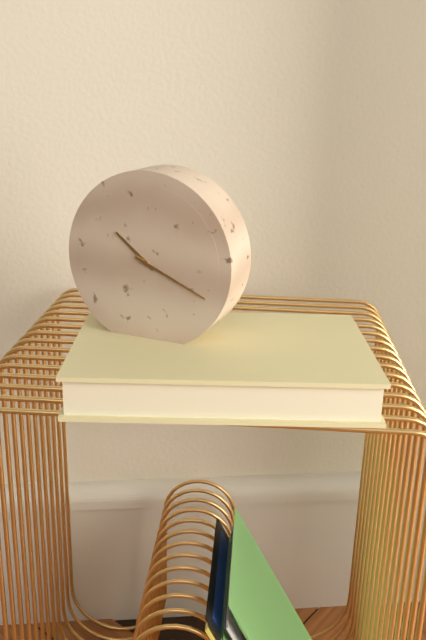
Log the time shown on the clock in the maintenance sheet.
10:19
